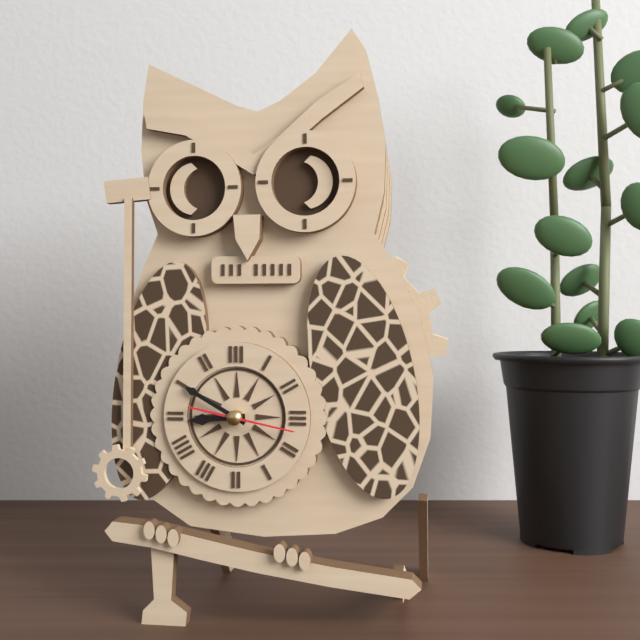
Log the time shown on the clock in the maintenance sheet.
8:50:17
